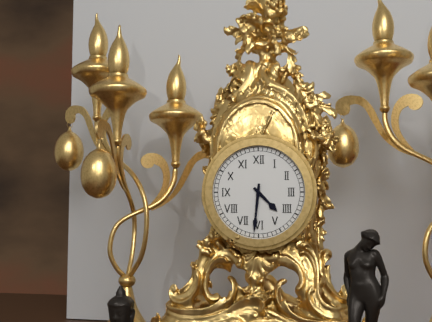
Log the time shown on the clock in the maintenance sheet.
4:31
